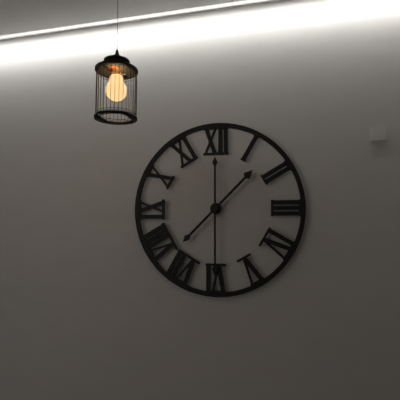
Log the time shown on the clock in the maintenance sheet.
1:30
